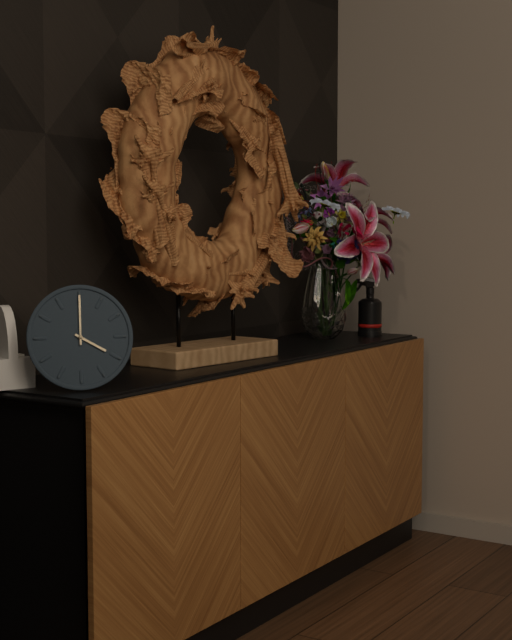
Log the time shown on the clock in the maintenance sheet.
4:00
